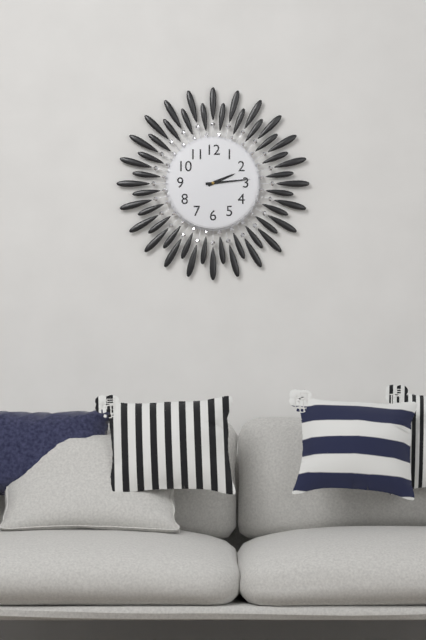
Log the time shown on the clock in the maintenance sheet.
2:14
